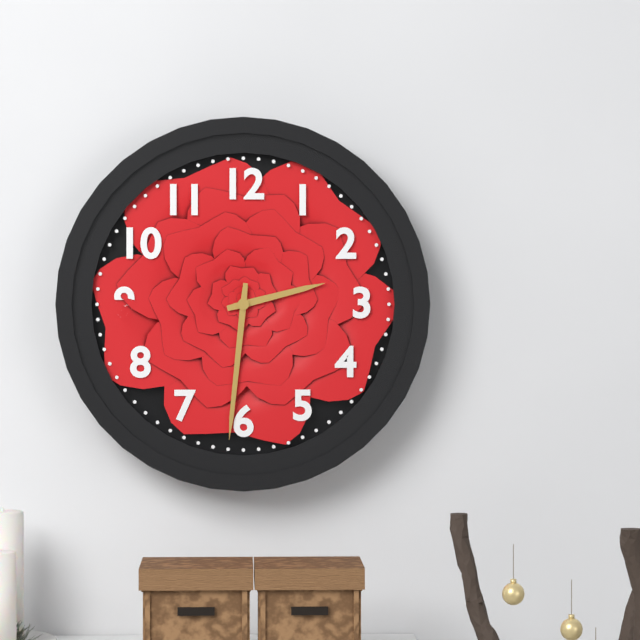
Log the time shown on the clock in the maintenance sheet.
2:31
